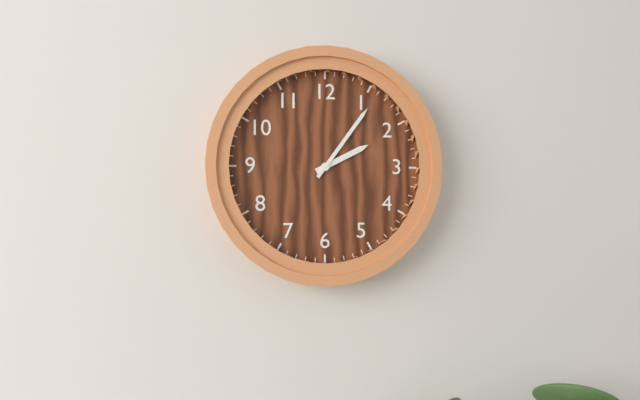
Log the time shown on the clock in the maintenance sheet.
2:06
